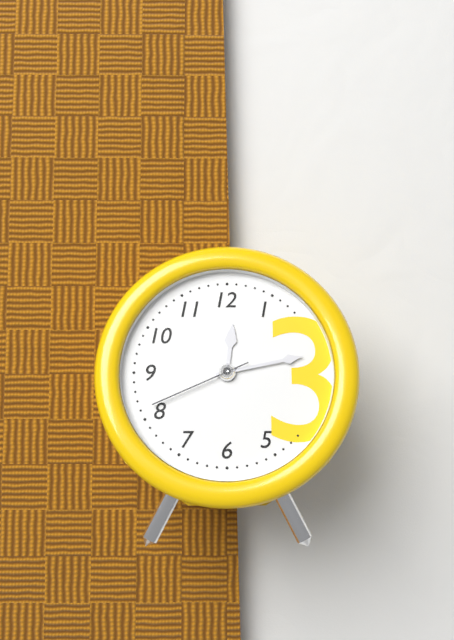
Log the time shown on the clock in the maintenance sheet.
12:13:41
